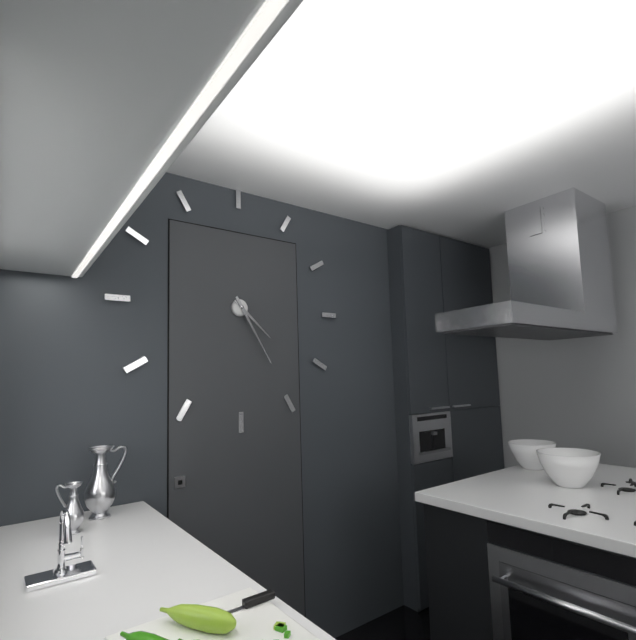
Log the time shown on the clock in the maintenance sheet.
4:25
